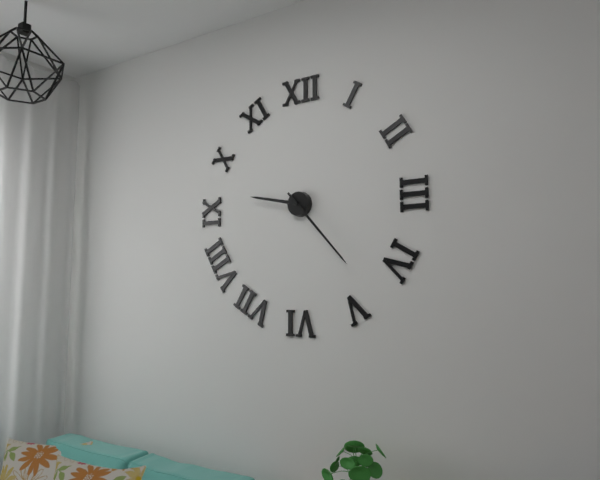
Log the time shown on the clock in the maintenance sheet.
9:23
